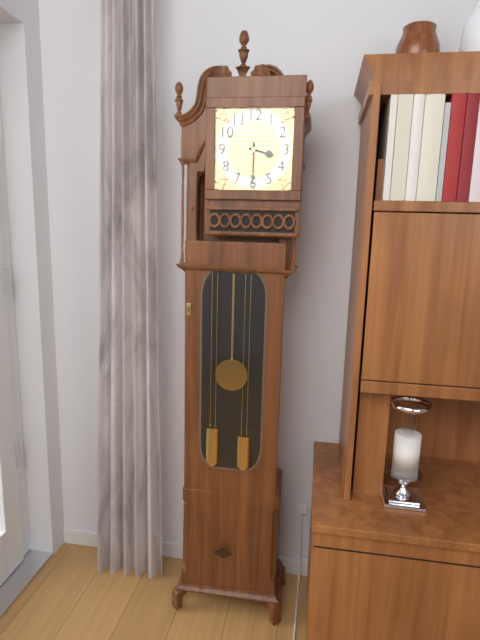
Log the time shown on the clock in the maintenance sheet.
3:30
